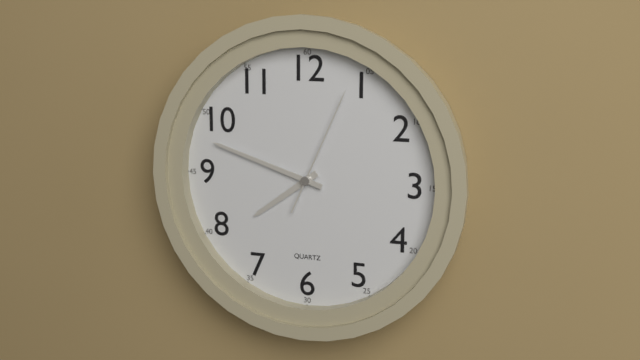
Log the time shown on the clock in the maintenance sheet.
7:48:04
